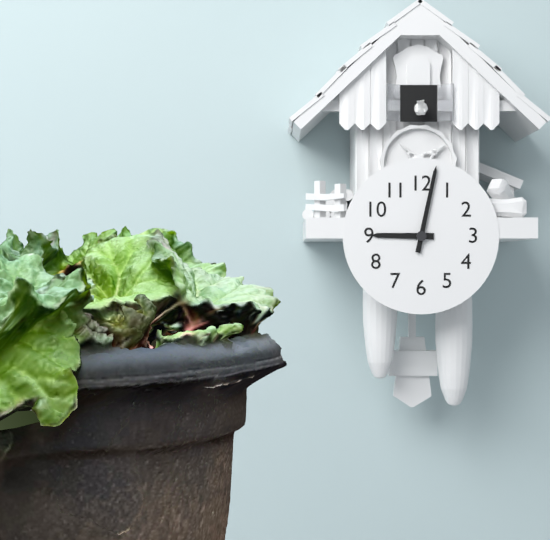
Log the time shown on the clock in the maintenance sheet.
9:02
